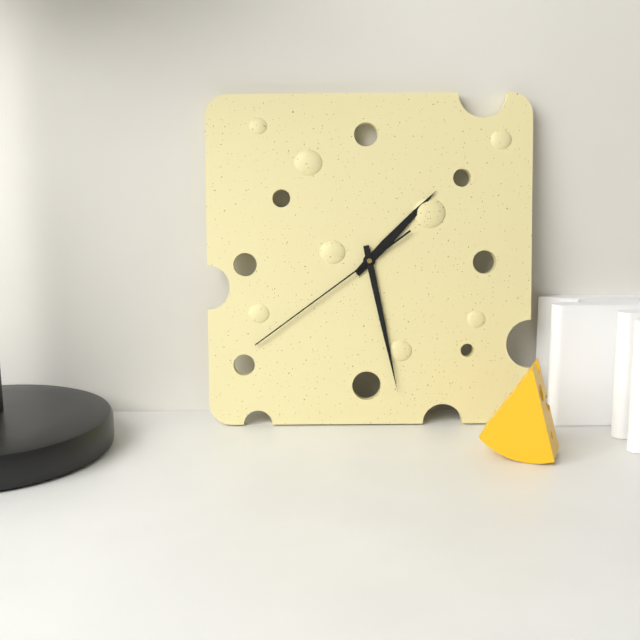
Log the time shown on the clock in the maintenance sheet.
1:28:39
